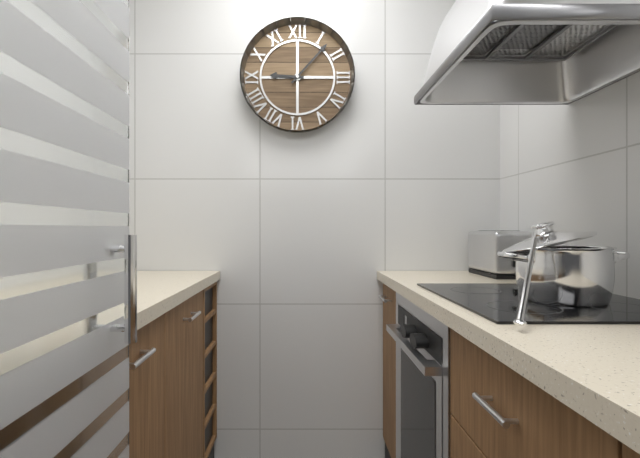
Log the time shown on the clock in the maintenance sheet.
9:07
